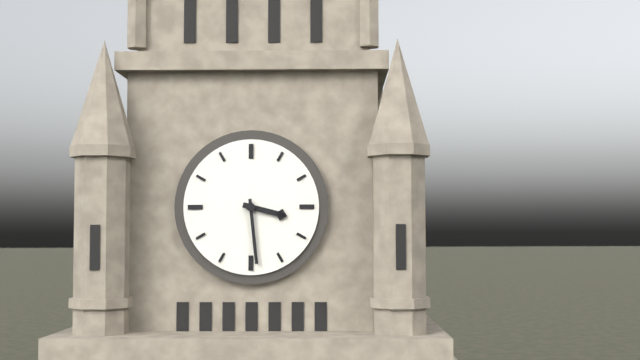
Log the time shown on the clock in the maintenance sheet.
3:29
